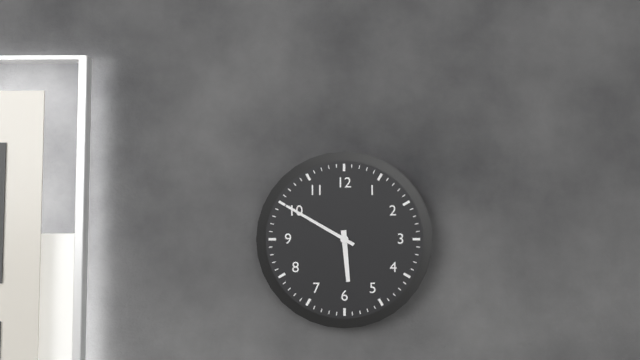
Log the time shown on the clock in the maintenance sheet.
5:50
